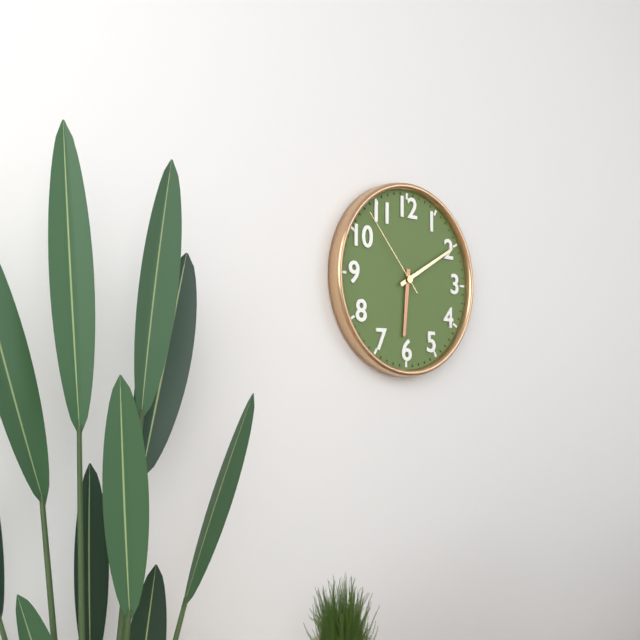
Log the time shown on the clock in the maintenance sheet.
6:10:53
